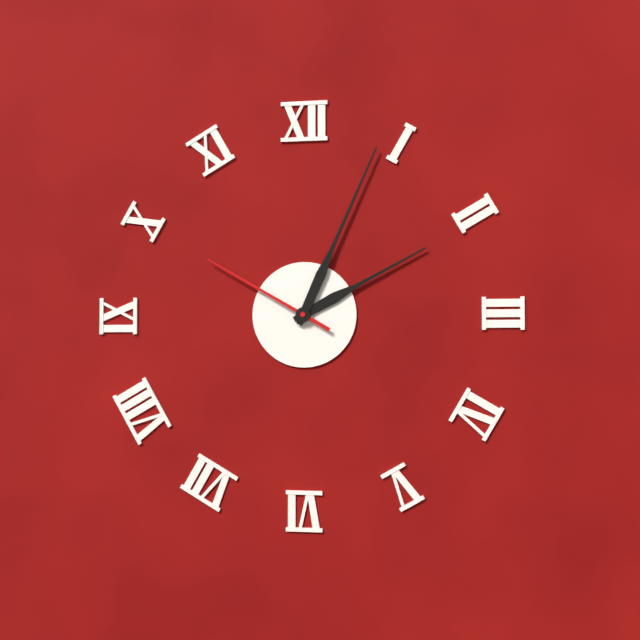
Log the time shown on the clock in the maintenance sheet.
2:04:50
